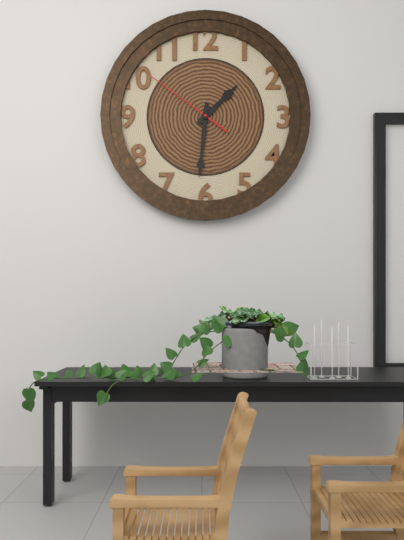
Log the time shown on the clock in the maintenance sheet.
1:31:51
